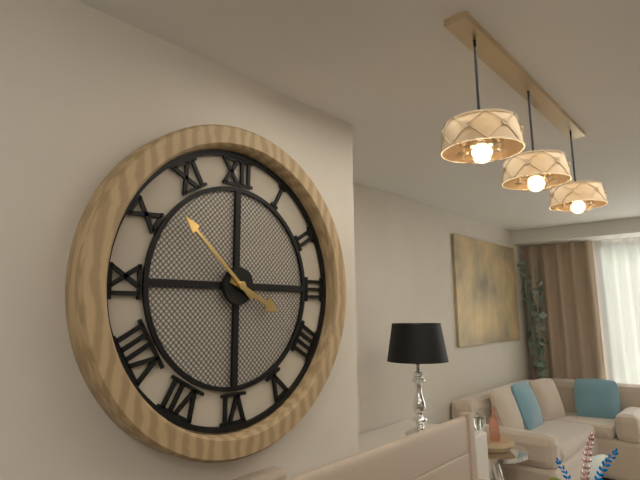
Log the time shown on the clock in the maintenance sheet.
3:52
